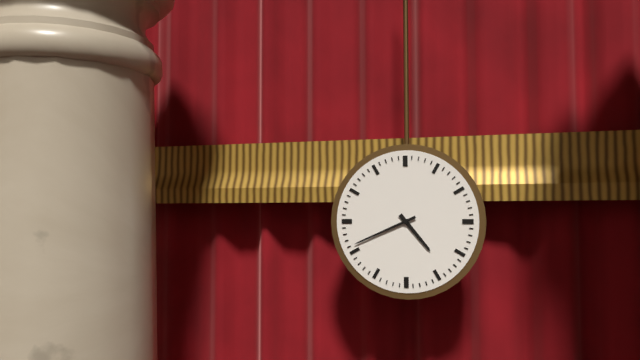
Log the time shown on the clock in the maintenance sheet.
4:41
